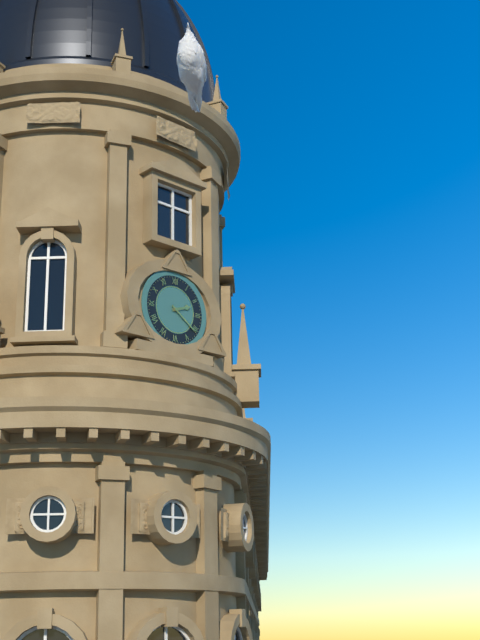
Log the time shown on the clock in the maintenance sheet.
2:21
